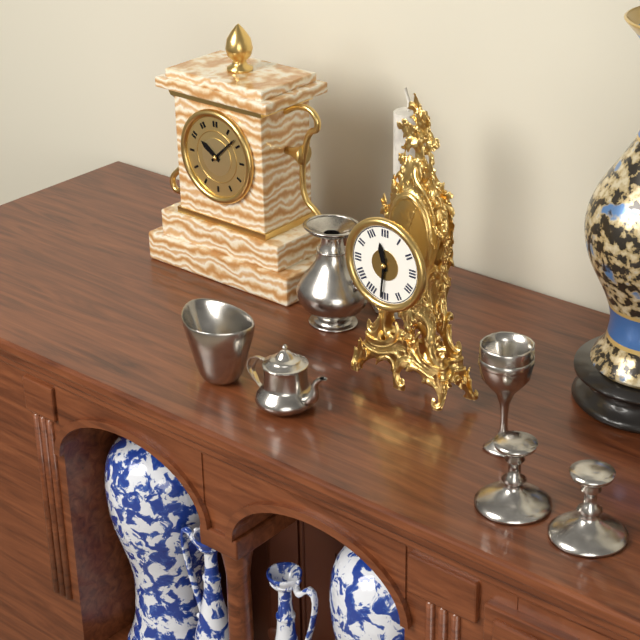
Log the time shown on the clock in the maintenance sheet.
11:31
